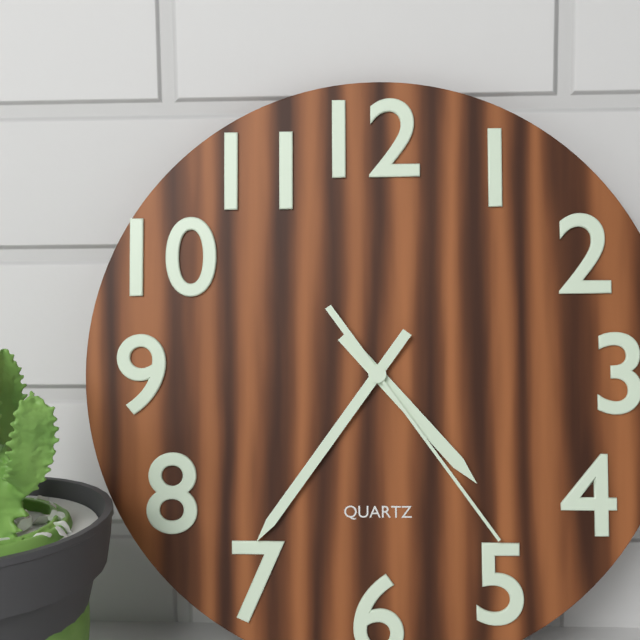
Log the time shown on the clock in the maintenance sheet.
4:36:24
